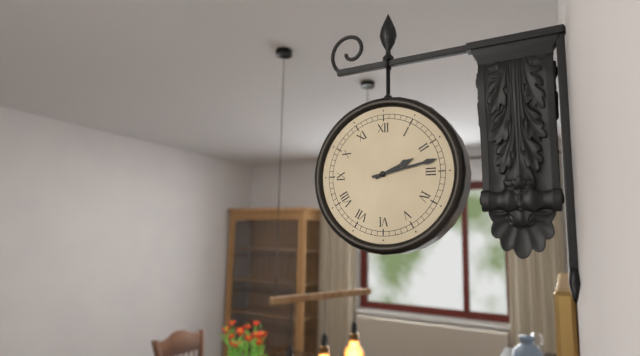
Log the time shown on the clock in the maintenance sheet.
2:13
